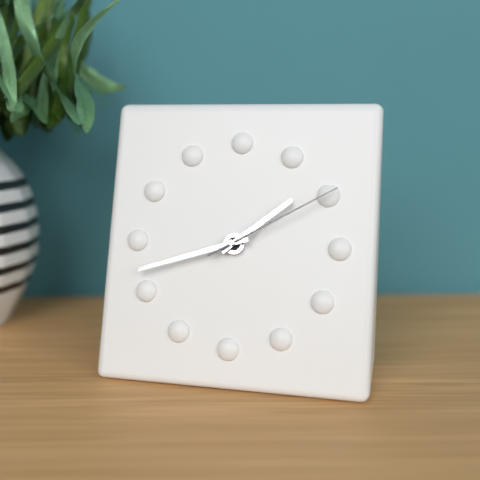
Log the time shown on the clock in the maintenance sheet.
1:42:10
